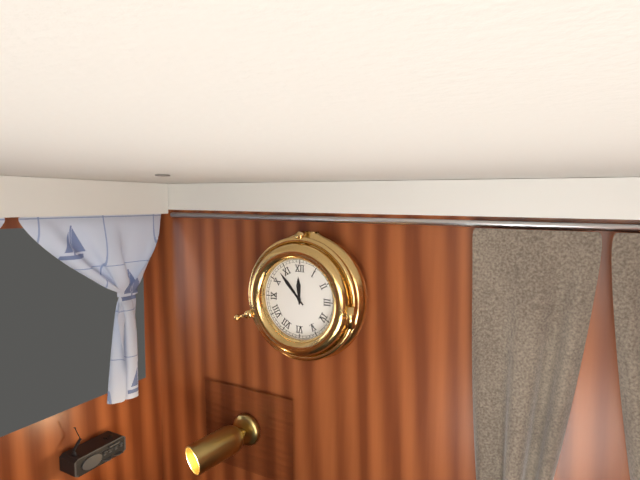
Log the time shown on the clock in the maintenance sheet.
11:53
